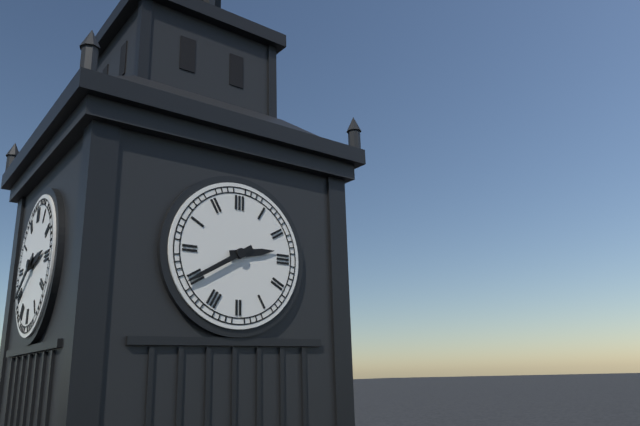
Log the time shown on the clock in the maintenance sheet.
2:40
